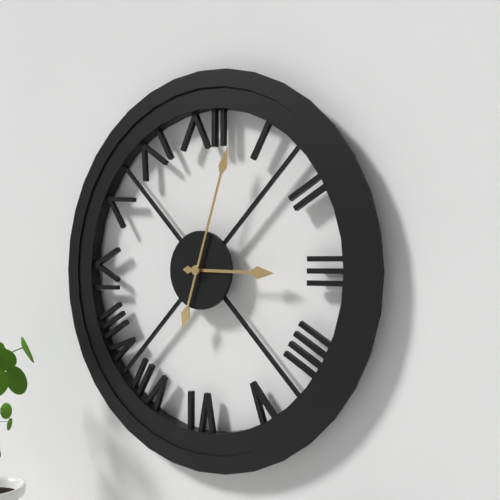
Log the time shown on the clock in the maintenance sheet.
3:03
